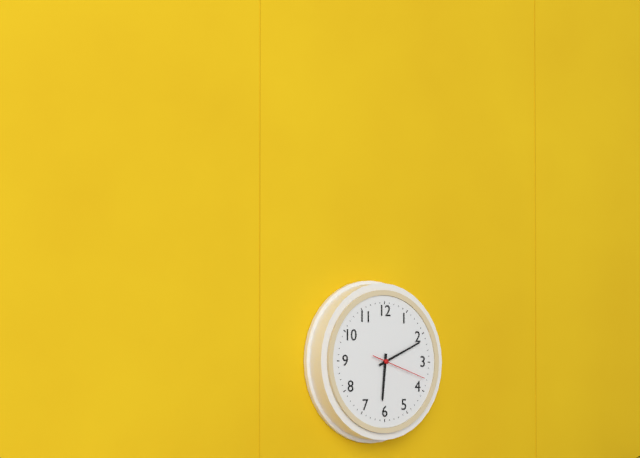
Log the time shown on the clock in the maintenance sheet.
6:11:18
